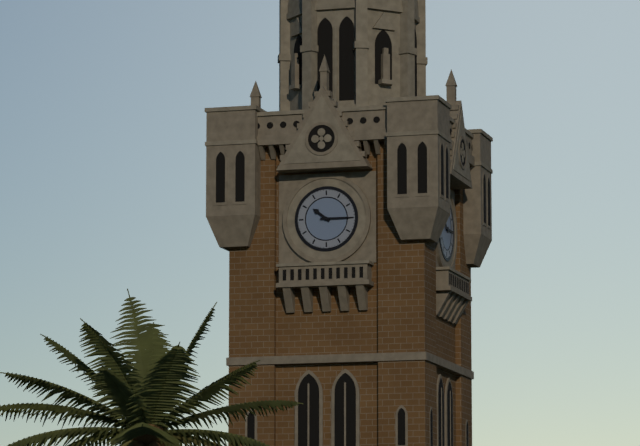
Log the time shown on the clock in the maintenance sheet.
10:15
